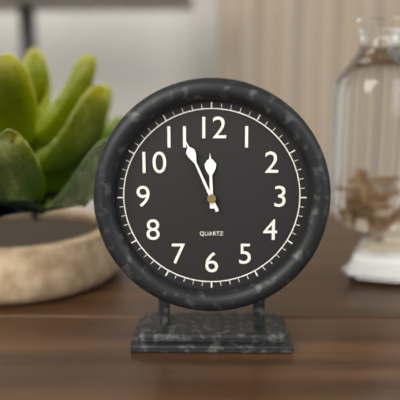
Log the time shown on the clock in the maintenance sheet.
11:56
